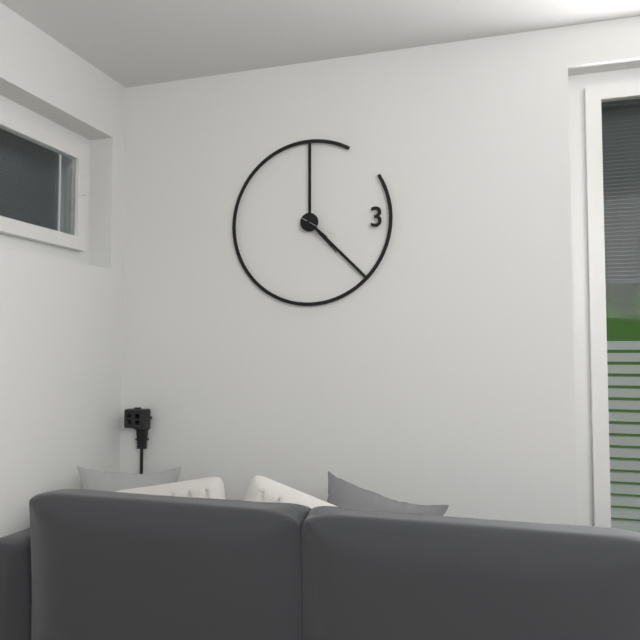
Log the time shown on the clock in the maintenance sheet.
4:23
